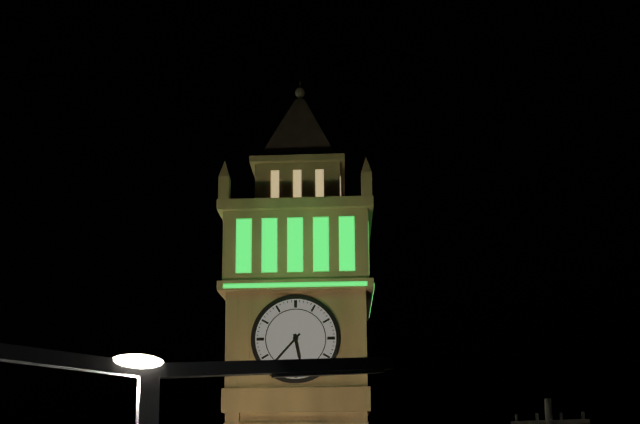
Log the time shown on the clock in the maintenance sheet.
5:37
